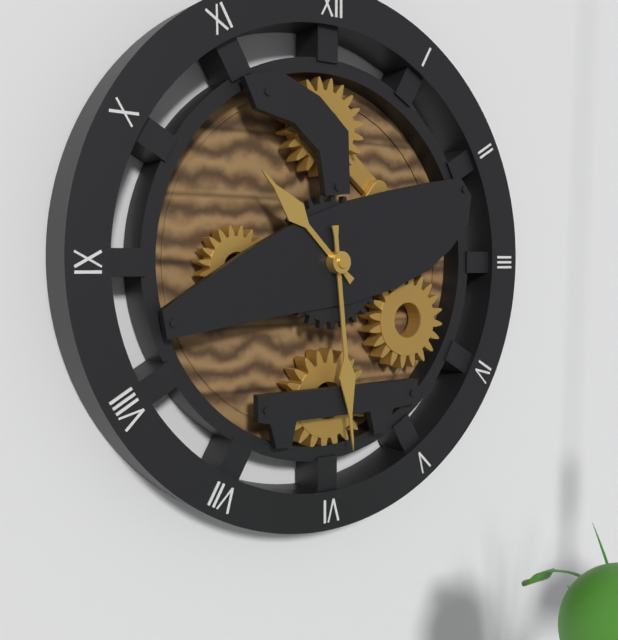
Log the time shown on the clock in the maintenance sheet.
10:29
